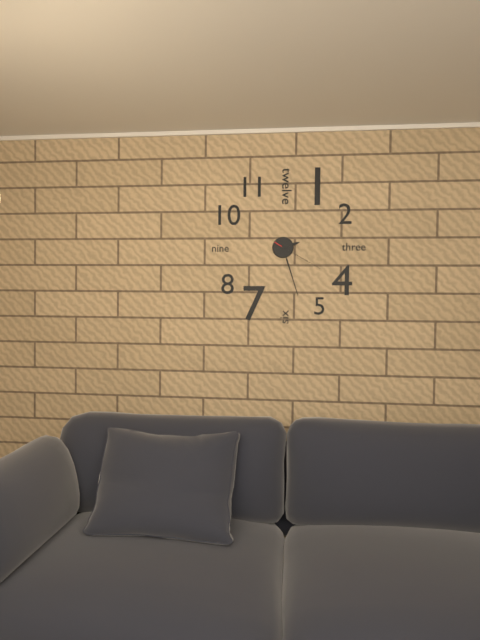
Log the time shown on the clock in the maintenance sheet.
2:27:20
